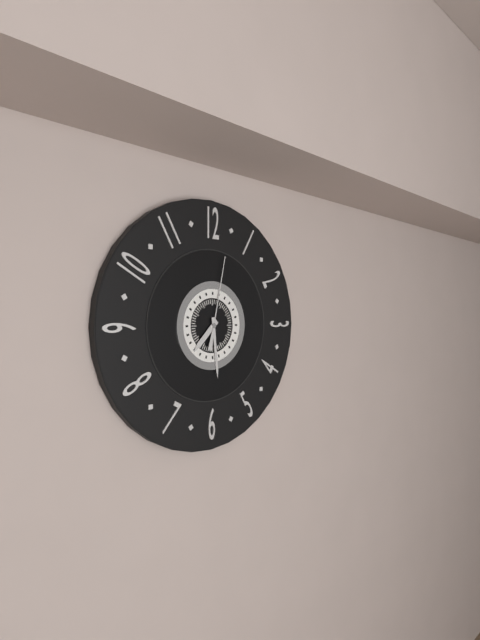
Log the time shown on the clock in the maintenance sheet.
7:29:02
